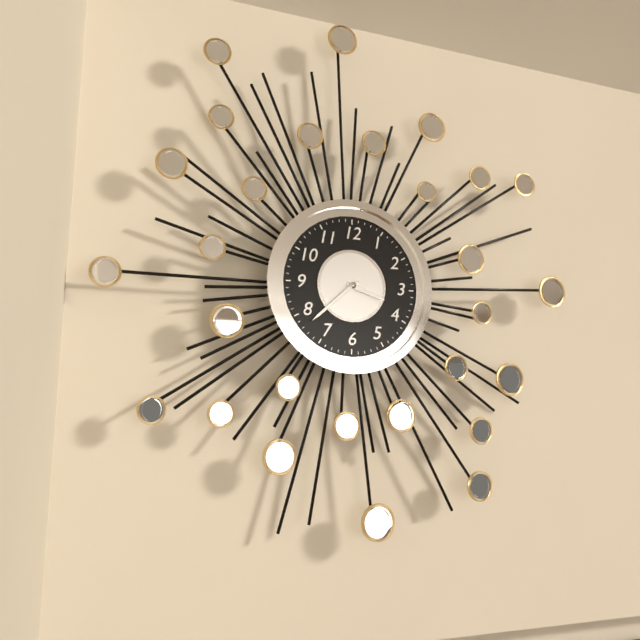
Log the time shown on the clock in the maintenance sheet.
3:38
